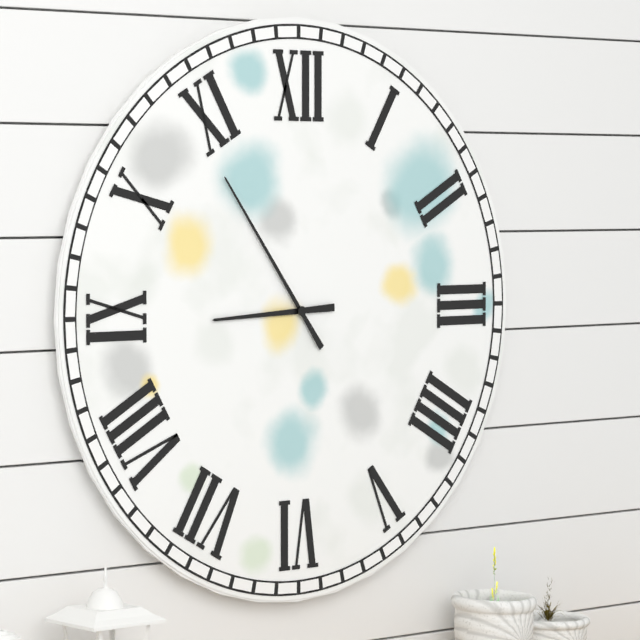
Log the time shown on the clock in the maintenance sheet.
8:54
